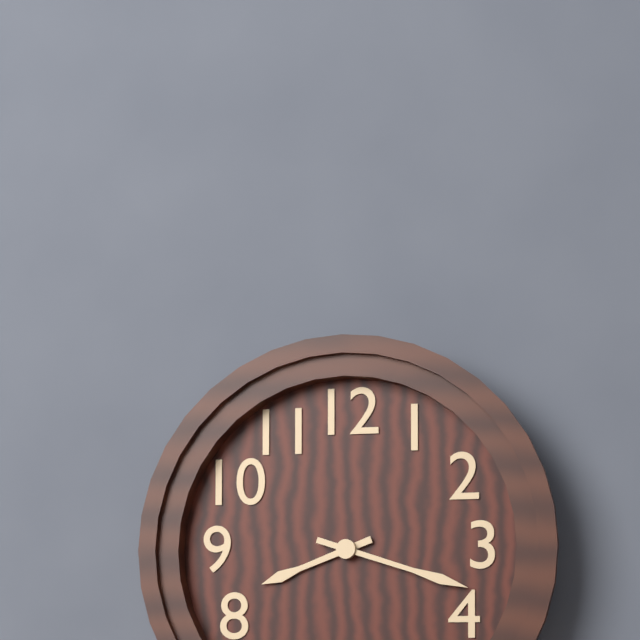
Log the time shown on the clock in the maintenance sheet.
8:18
